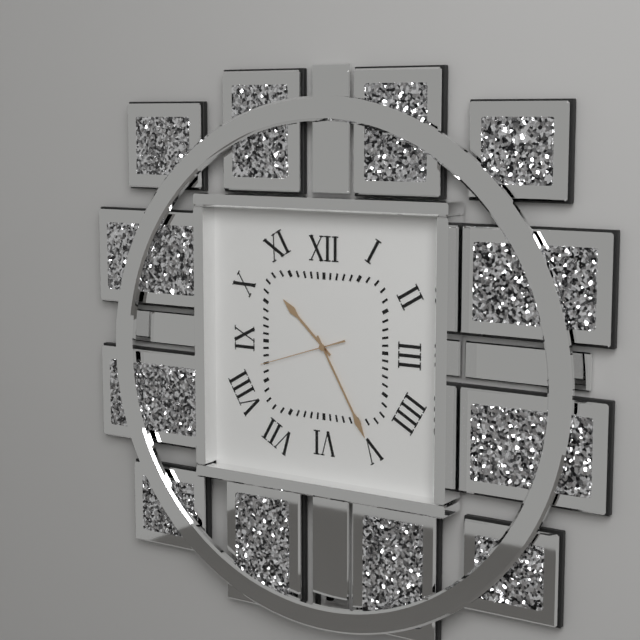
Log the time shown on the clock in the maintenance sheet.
10:25:42
